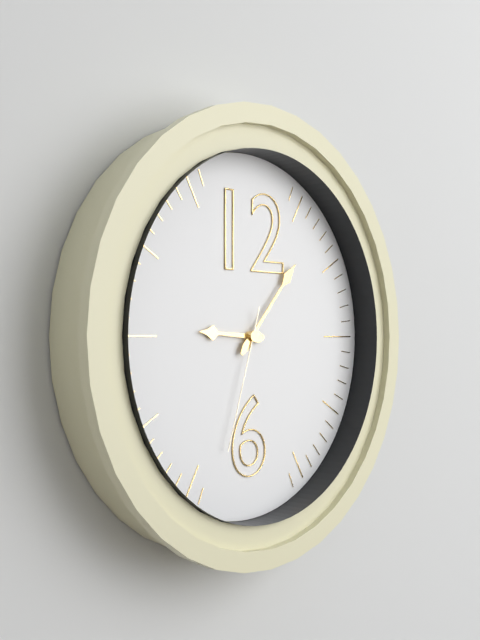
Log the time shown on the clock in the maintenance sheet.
9:07:33
